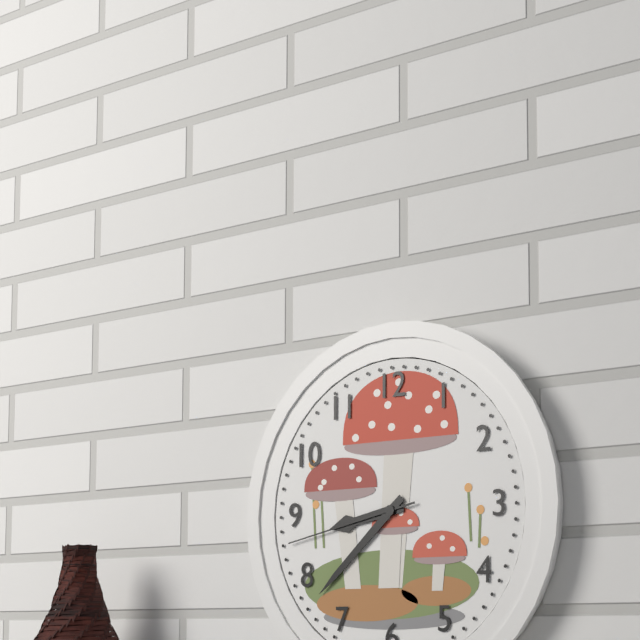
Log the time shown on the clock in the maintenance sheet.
8:38:43
